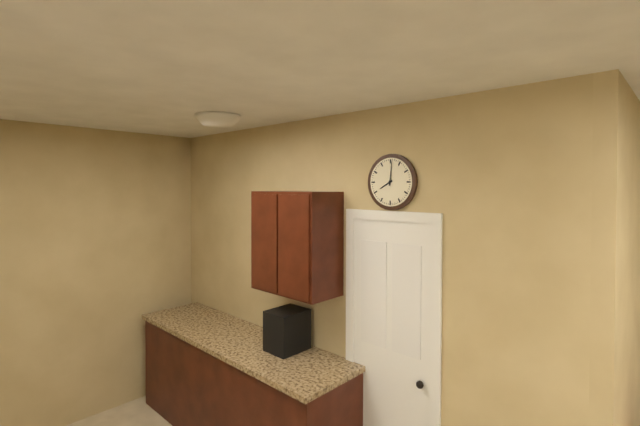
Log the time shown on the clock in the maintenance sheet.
8:01
